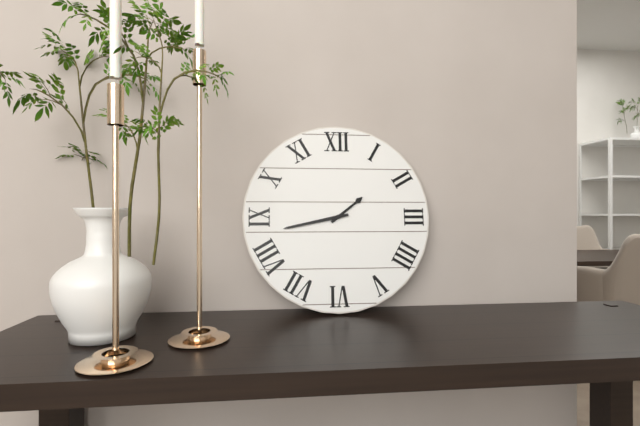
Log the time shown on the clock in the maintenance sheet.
1:43
